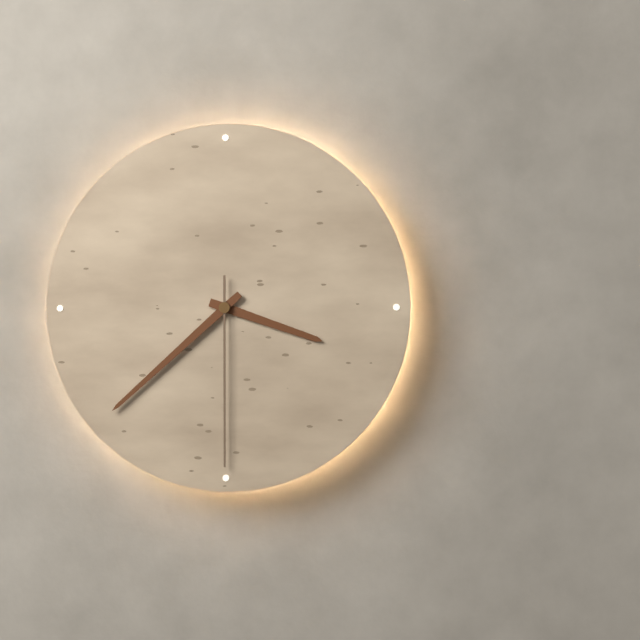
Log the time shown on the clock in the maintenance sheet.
3:38:30
